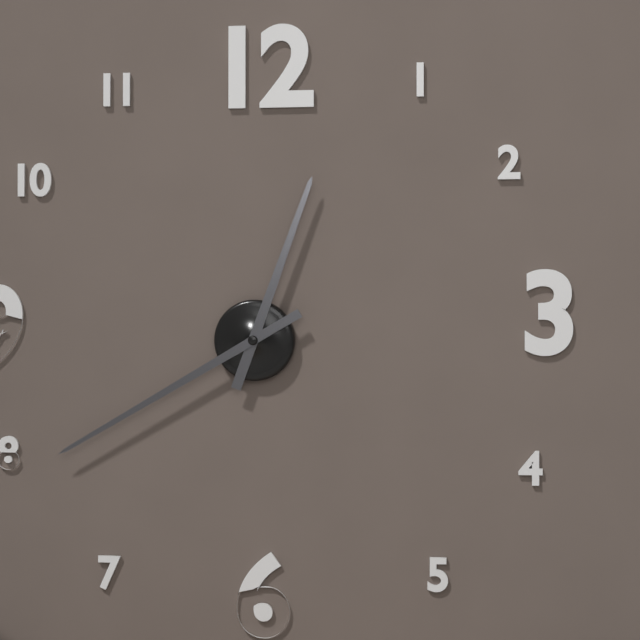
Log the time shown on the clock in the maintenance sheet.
12:40
